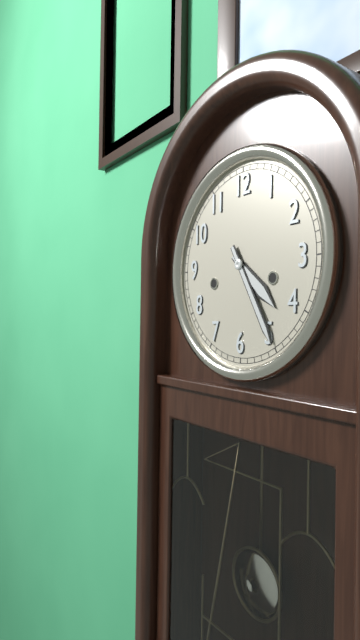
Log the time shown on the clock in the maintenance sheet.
4:25
